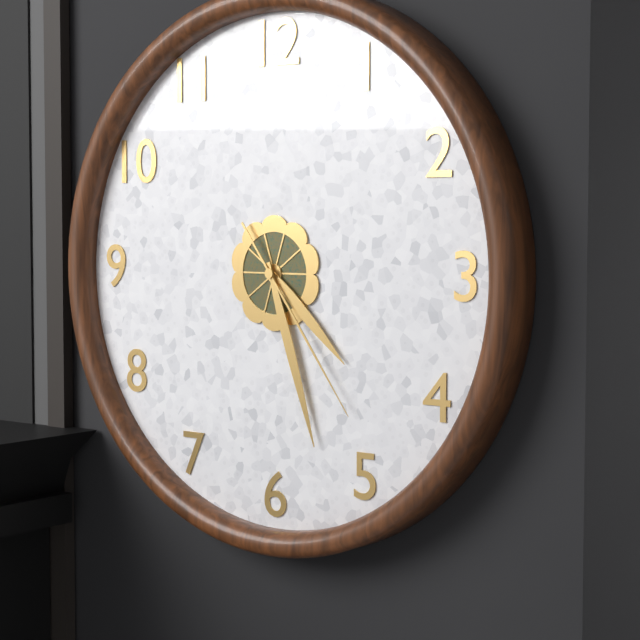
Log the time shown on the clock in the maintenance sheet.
4:27:24
